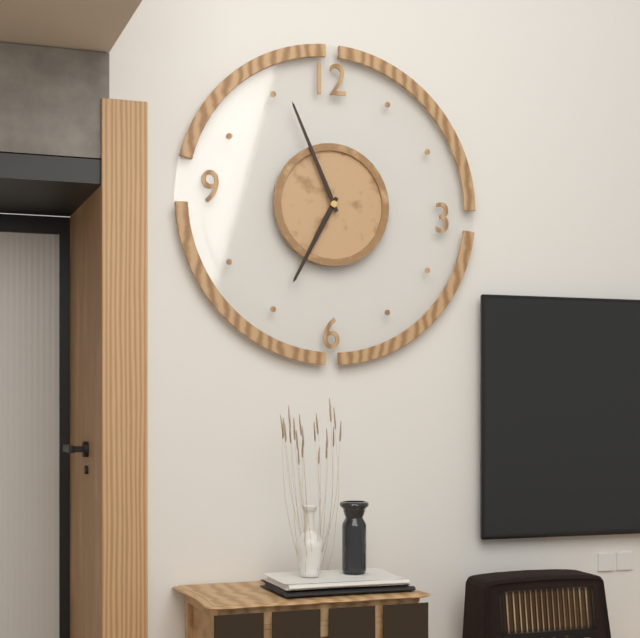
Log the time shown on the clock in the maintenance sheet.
6:56
